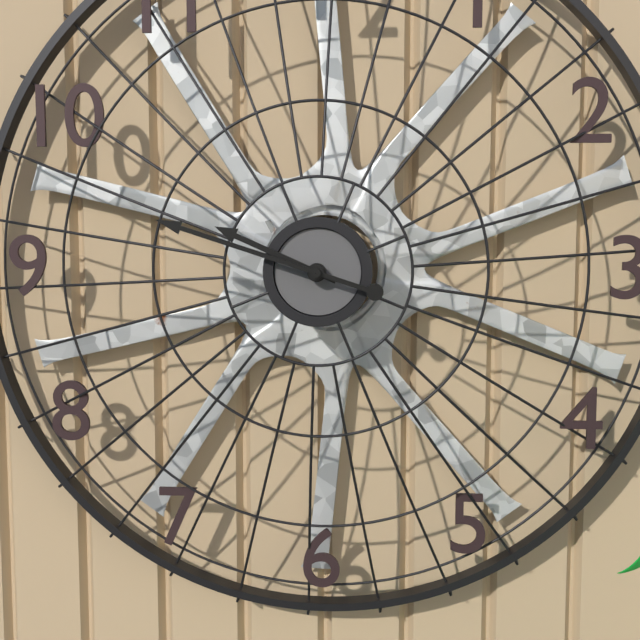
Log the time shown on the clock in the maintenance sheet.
9:48
